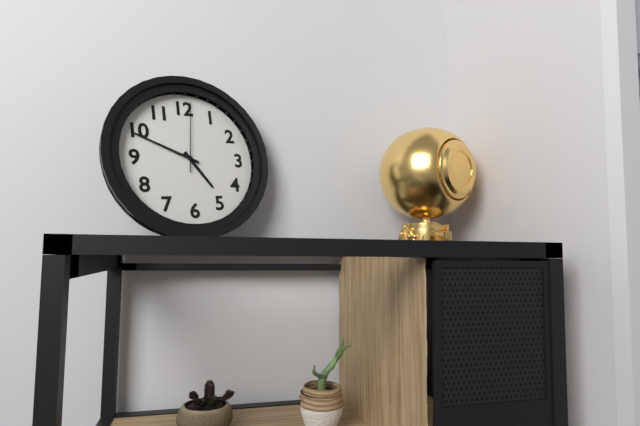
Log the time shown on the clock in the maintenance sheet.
4:49:01
